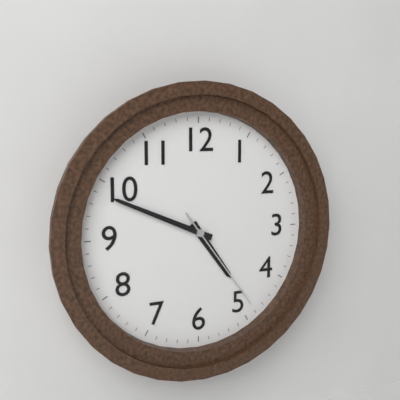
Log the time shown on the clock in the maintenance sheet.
4:49:24
